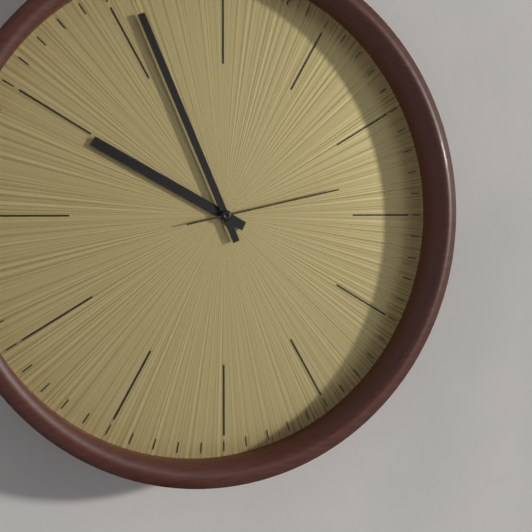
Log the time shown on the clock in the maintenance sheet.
9:56:13
